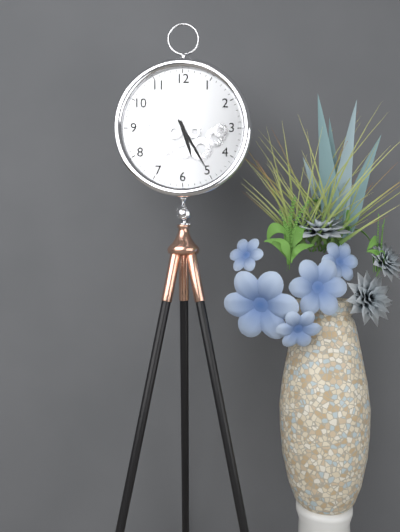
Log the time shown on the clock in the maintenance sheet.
5:25
